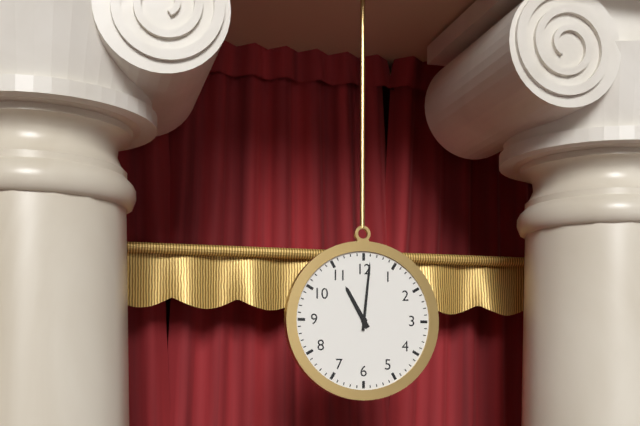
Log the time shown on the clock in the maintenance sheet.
11:01
